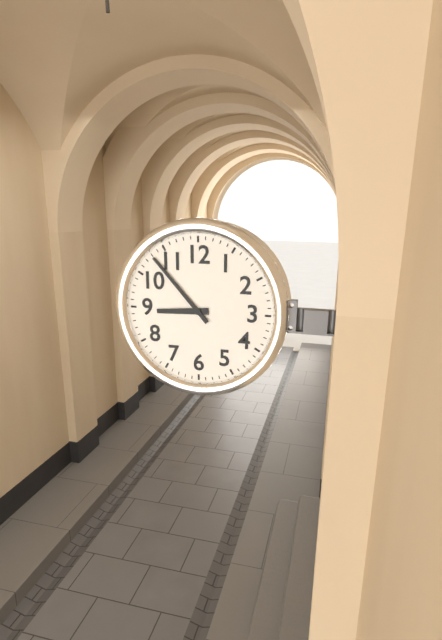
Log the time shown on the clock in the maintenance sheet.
8:53
